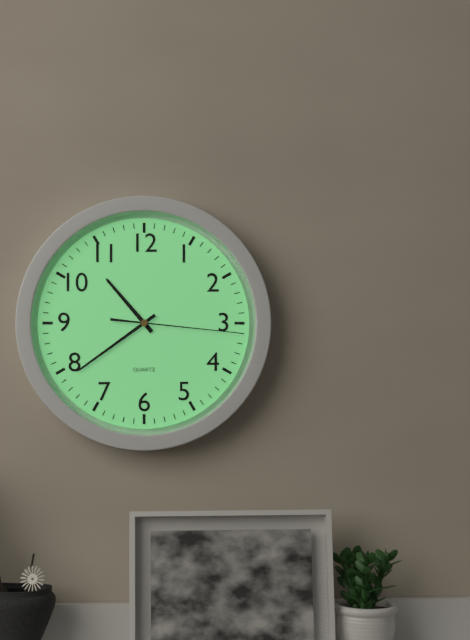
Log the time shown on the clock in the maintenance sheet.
10:39:16
